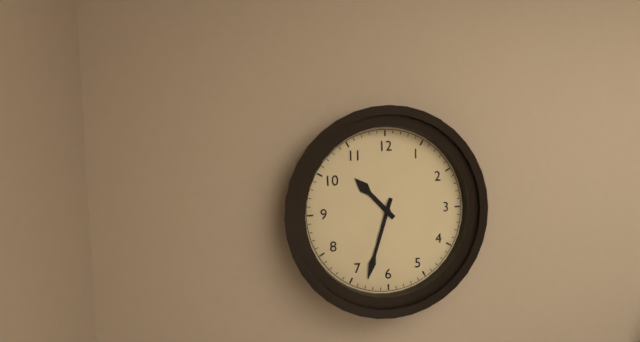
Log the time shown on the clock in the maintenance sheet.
10:33
